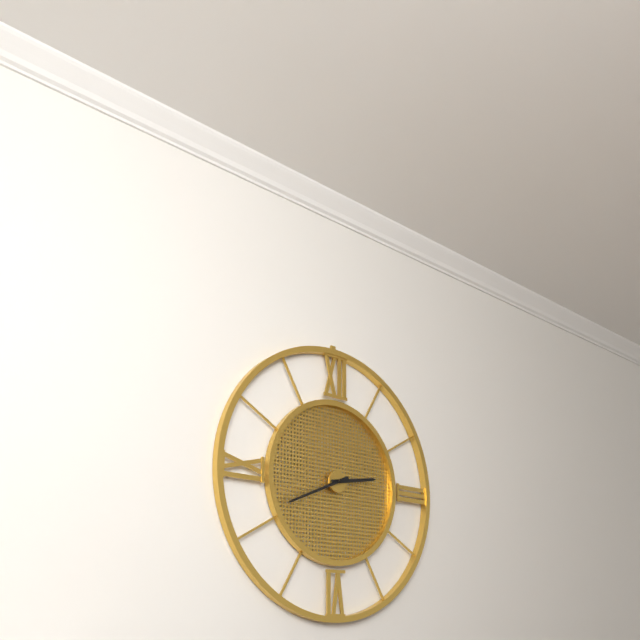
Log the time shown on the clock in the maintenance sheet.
2:41
